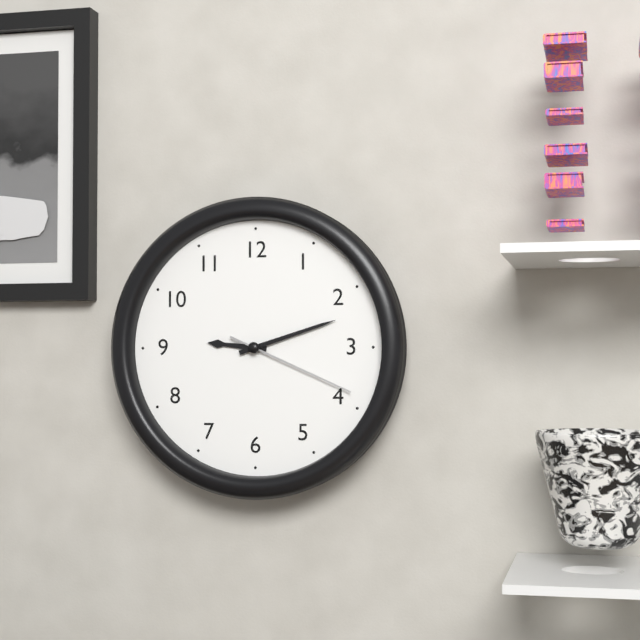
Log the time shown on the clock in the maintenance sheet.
9:12:19
